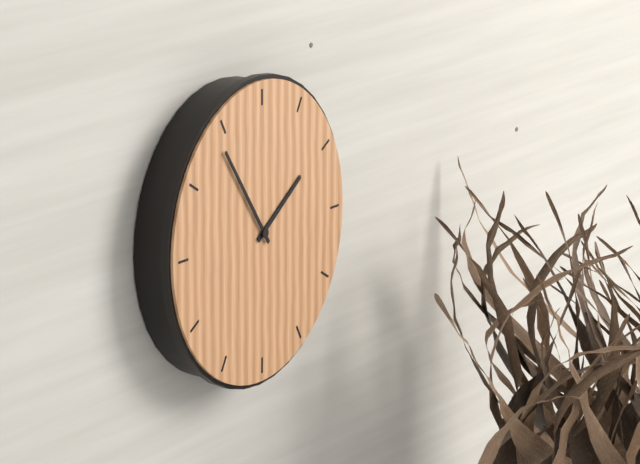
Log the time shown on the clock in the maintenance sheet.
1:54
